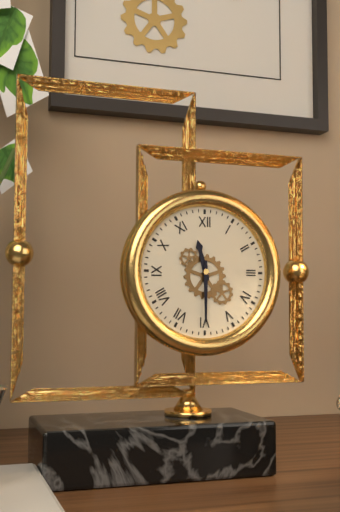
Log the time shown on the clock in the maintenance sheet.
11:30
